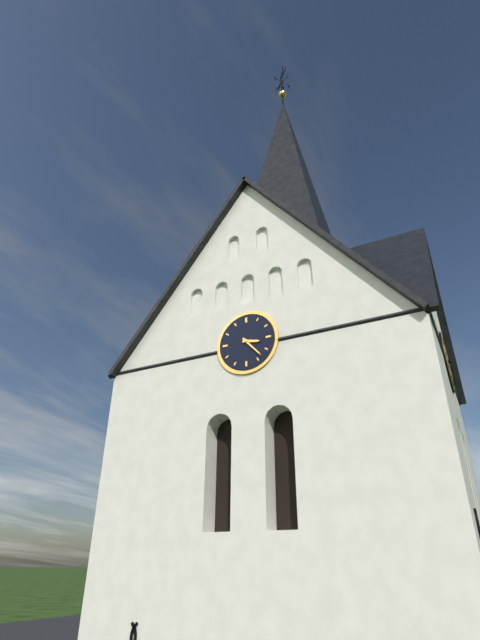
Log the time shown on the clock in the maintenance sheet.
3:23
